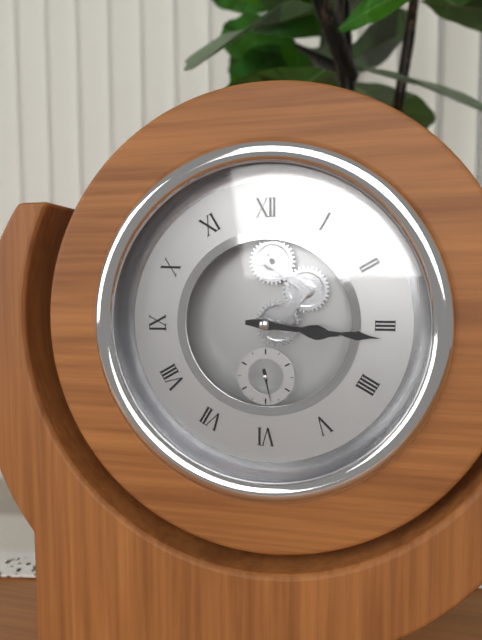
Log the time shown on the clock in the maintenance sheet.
3:16
